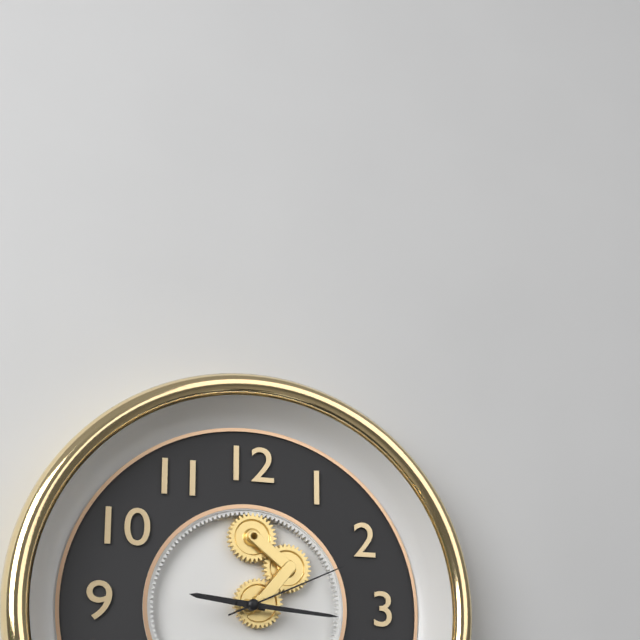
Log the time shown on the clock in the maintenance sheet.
9:16:11
